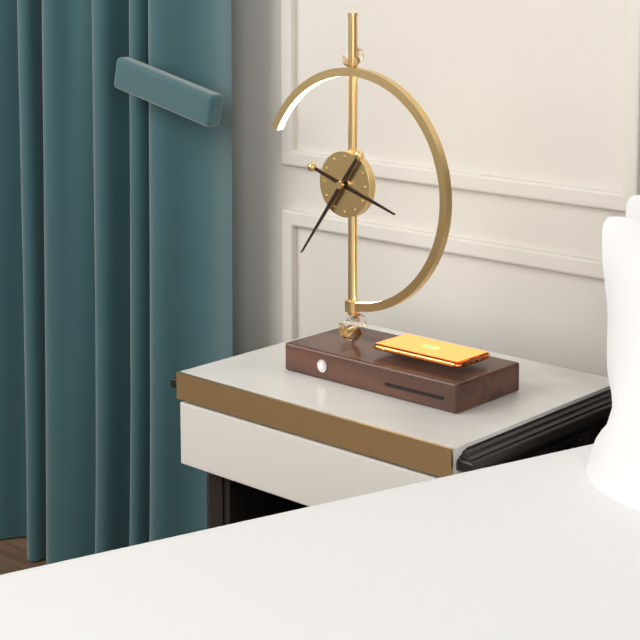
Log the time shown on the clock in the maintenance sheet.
3:36
